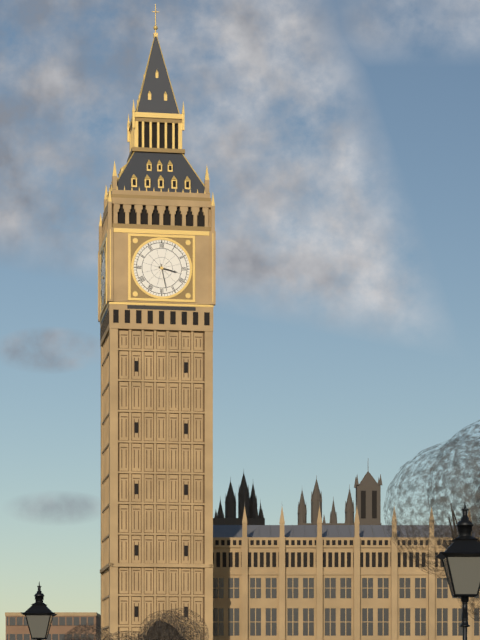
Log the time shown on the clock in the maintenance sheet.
3:28
